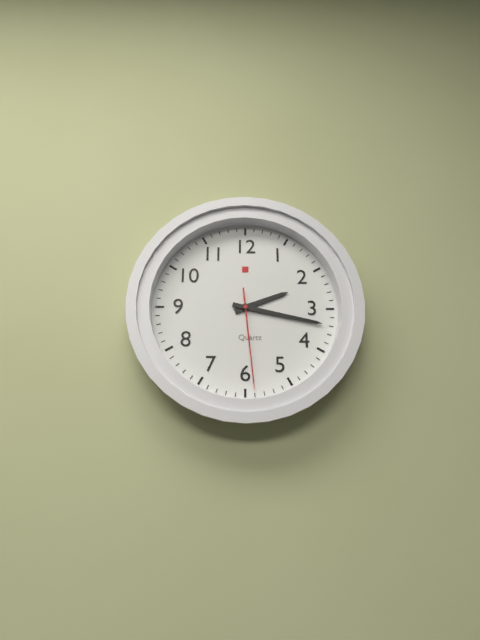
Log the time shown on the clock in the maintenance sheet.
2:17:29
